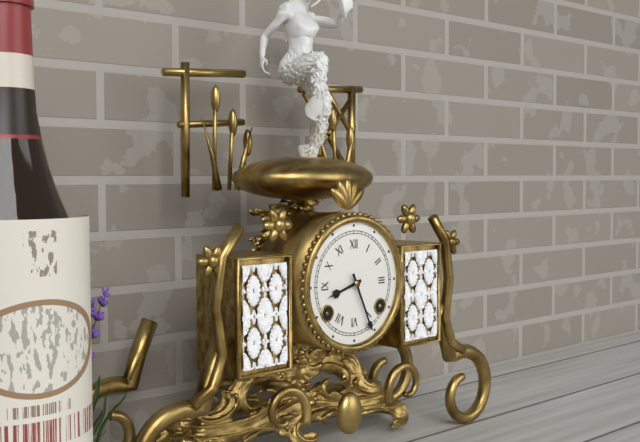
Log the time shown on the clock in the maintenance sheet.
8:26
